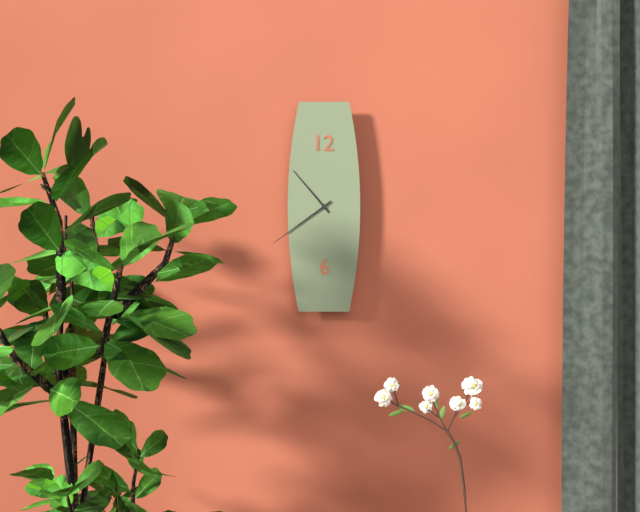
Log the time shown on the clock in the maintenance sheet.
10:39
